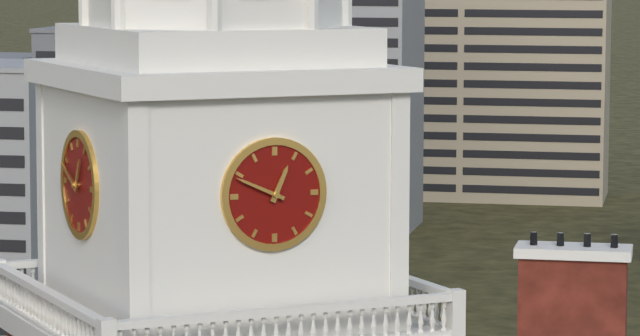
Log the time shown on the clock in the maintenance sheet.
12:49
